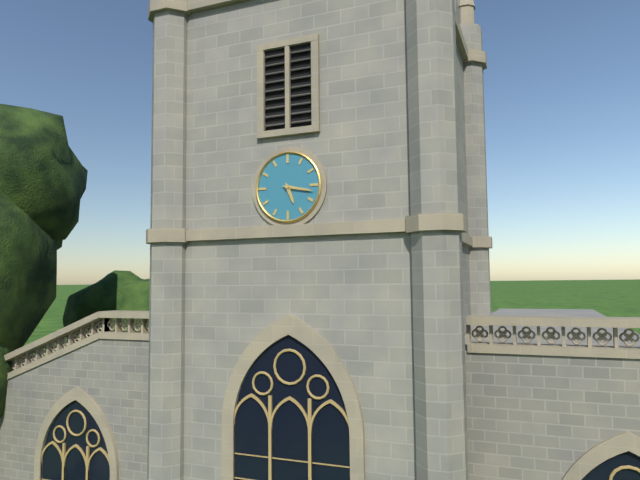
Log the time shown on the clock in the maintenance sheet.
5:17
